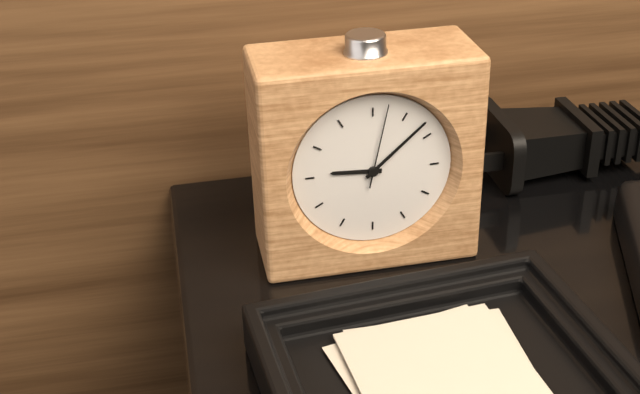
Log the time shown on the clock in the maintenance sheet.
9:08:02
